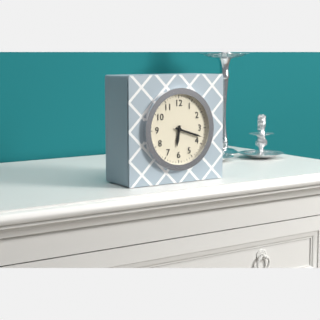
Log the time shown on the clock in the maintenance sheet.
6:18
